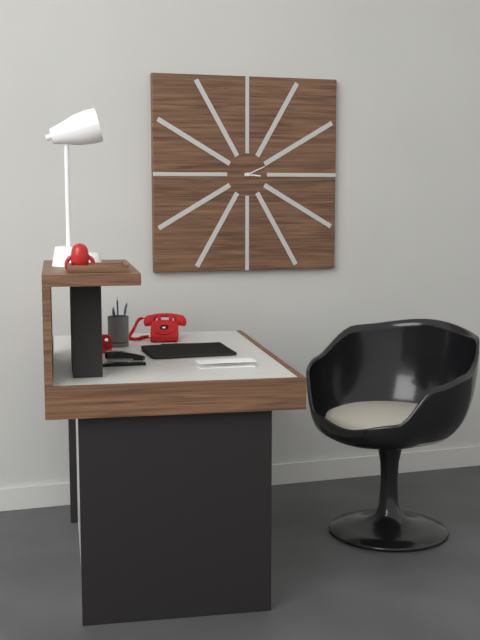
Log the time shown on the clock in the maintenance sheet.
3:11
